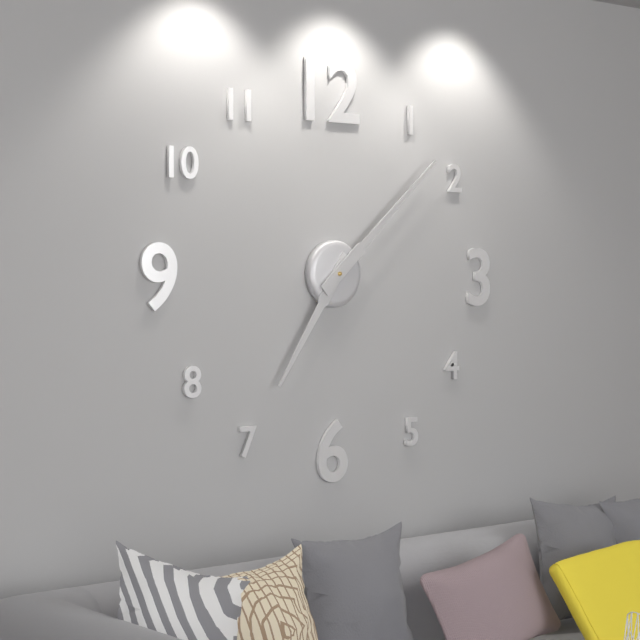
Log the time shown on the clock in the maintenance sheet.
7:08
